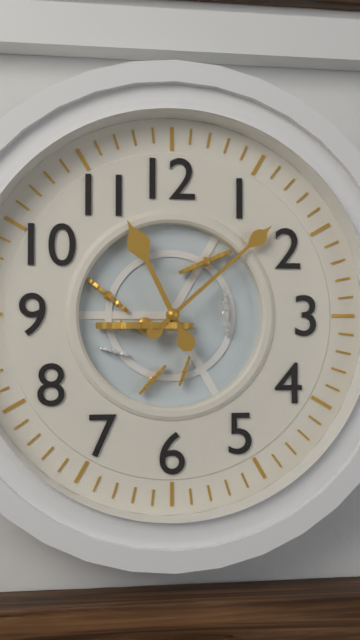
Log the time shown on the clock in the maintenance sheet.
11:08
